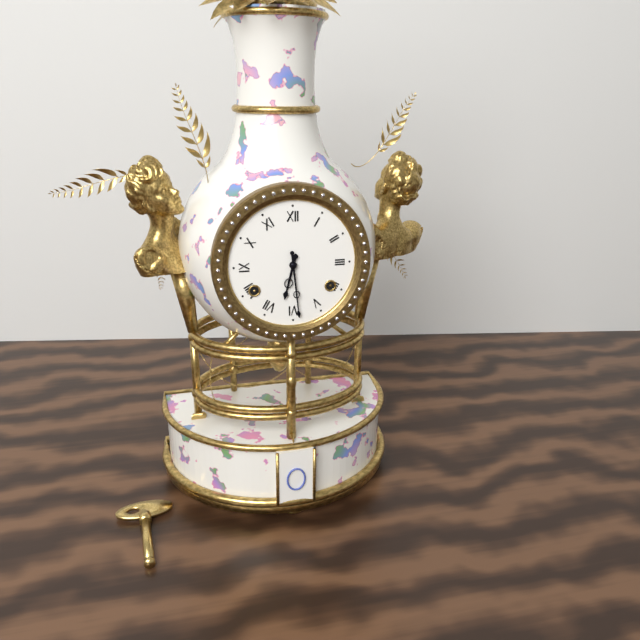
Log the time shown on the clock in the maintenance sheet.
6:29
